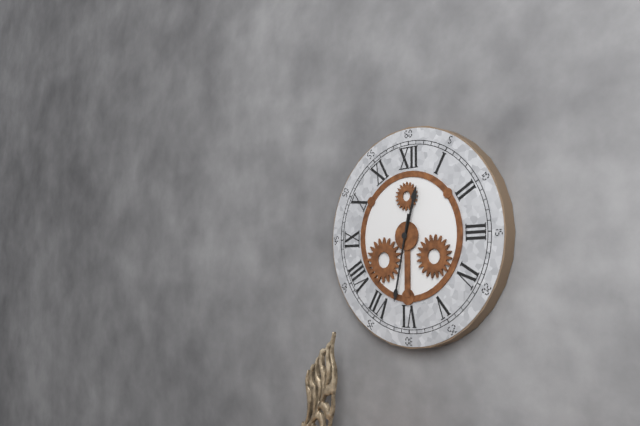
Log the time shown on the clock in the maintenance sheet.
12:32
